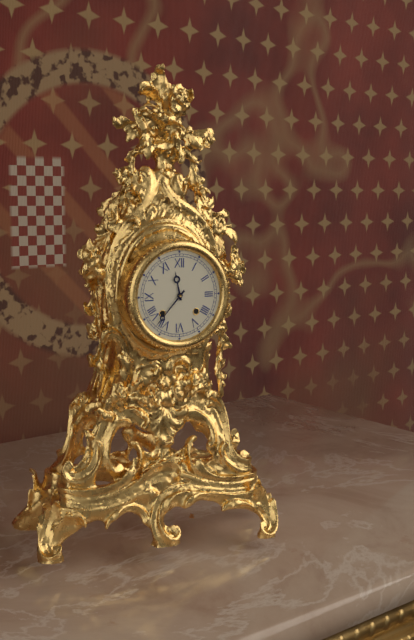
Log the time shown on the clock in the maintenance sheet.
11:37
